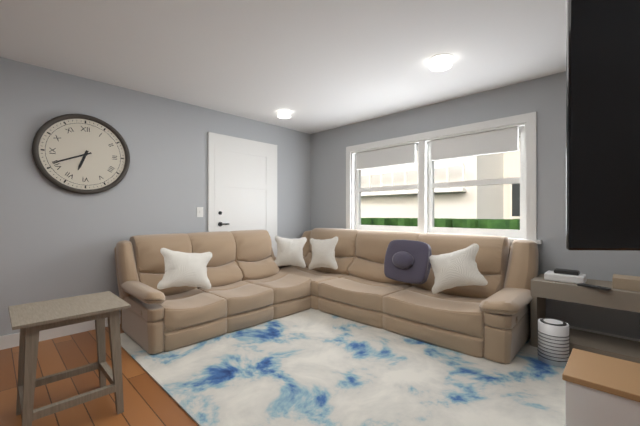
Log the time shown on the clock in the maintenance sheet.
6:41
